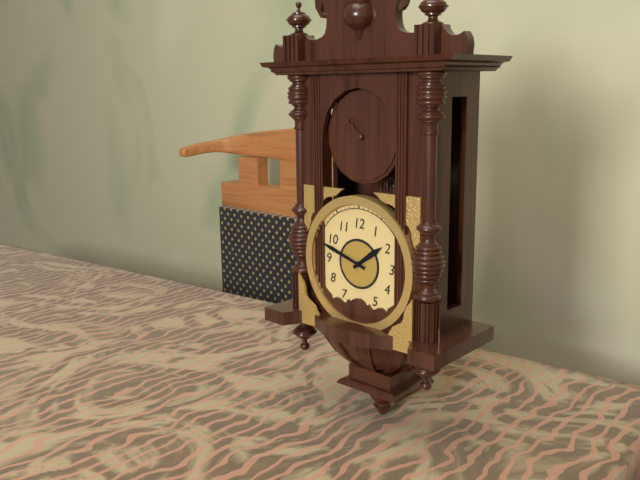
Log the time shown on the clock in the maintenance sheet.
1:48
